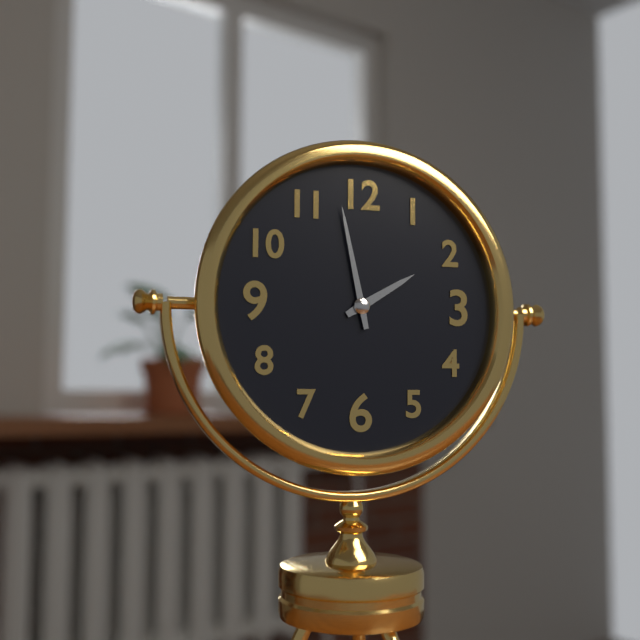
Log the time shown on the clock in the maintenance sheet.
1:58
